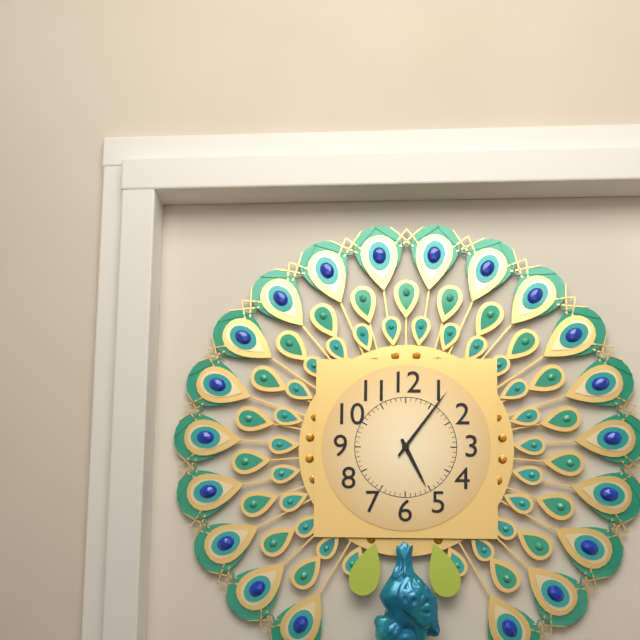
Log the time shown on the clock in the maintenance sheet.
5:06
